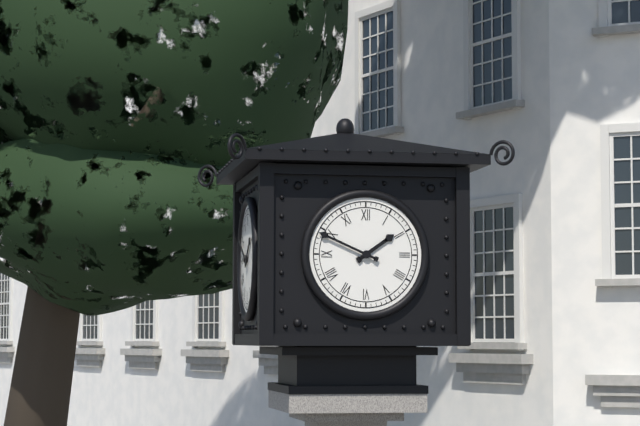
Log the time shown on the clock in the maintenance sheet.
1:49
